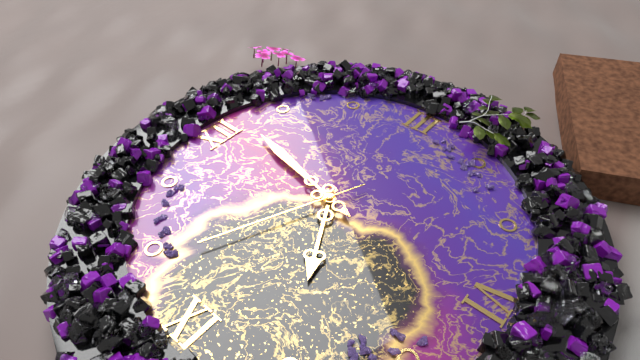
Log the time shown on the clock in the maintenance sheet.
8:02:49
